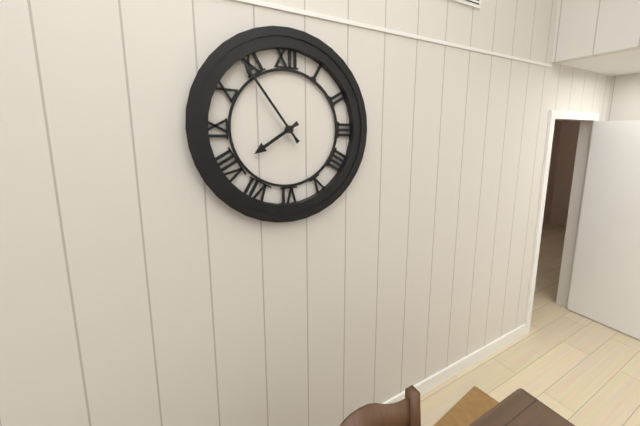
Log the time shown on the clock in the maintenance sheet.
7:54
